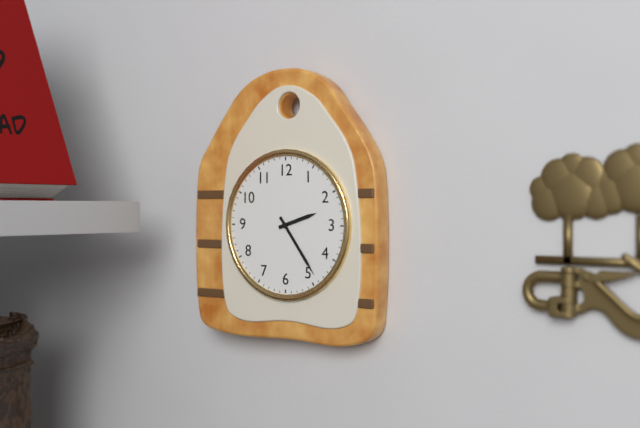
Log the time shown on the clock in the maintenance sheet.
2:24
